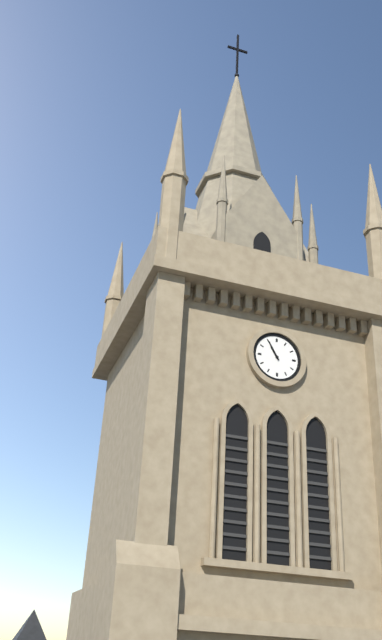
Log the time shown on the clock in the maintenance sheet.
10:55
